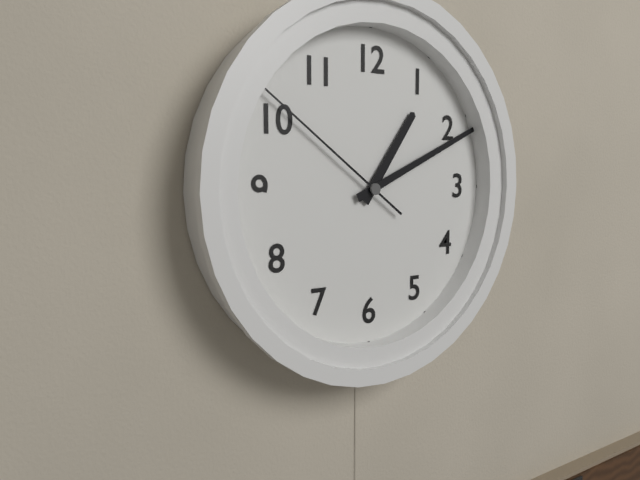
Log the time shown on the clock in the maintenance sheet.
1:11:51
